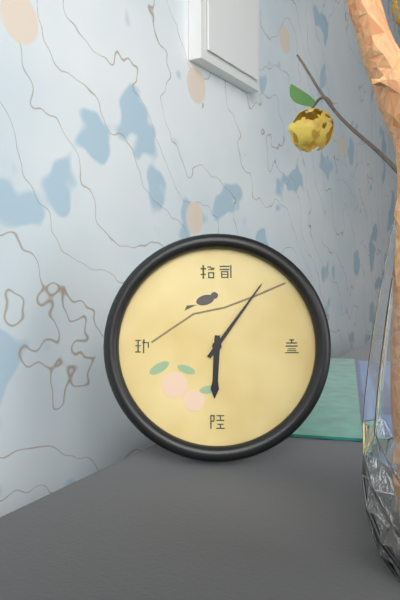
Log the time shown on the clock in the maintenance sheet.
6:06
